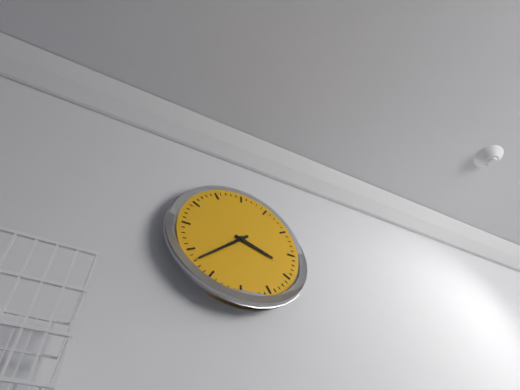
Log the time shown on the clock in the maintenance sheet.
3:38
